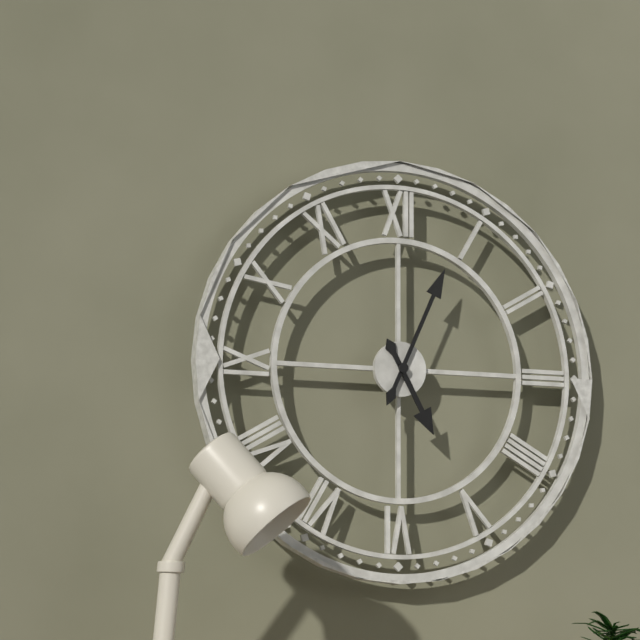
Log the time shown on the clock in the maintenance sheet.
5:04
